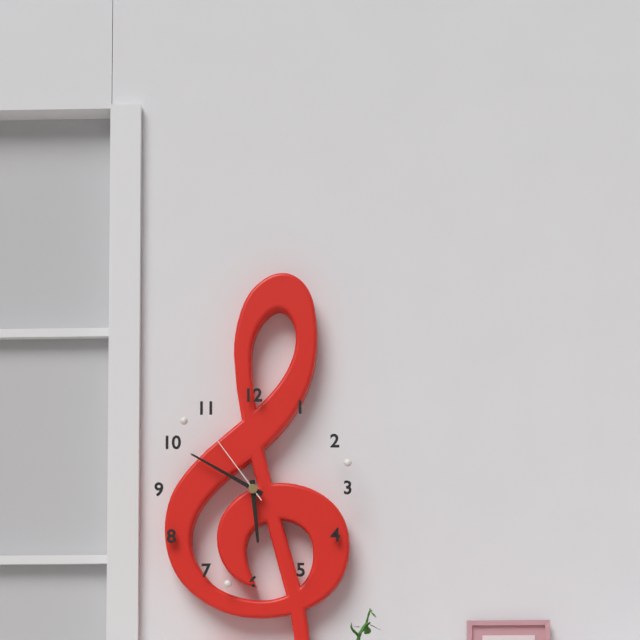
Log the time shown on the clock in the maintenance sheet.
5:50:54
